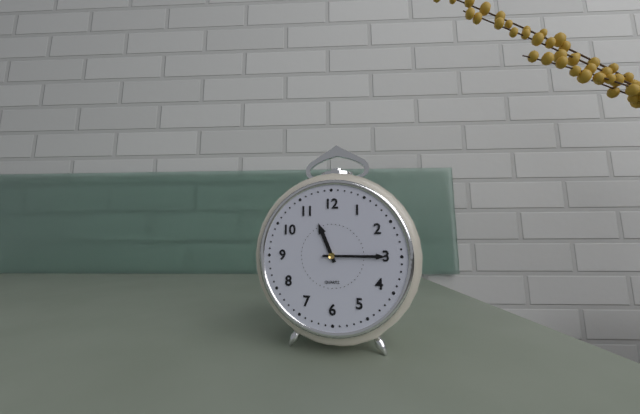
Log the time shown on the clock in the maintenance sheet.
11:15
